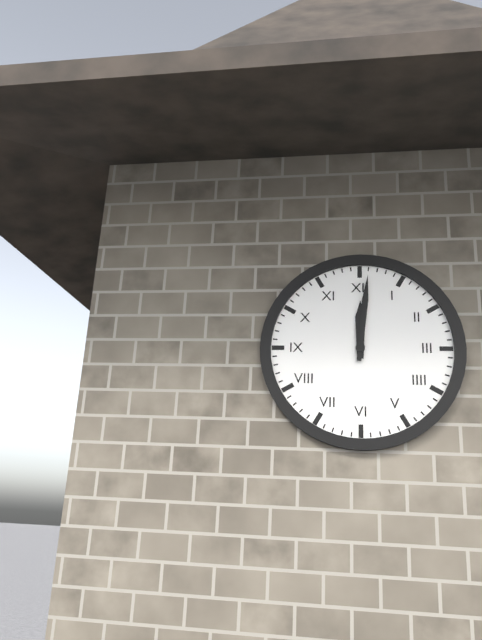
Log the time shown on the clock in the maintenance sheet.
12:01
